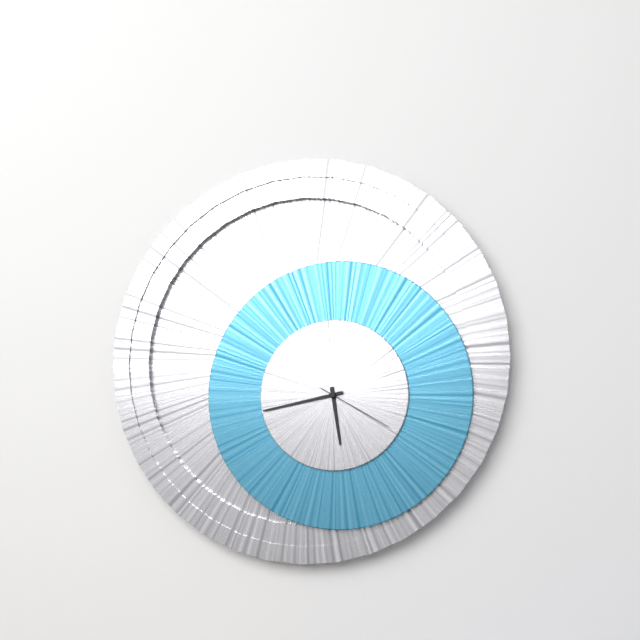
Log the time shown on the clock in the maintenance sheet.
5:43:20
